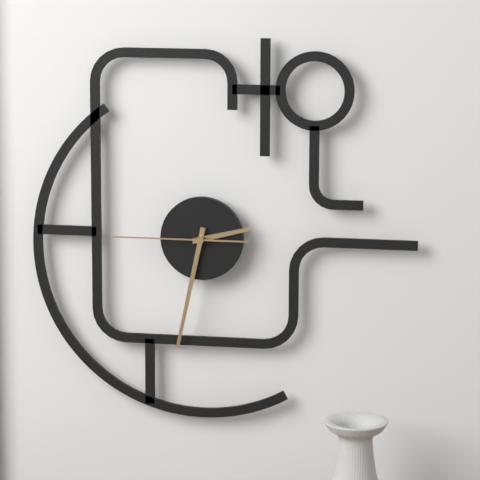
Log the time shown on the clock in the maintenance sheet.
2:32:45
